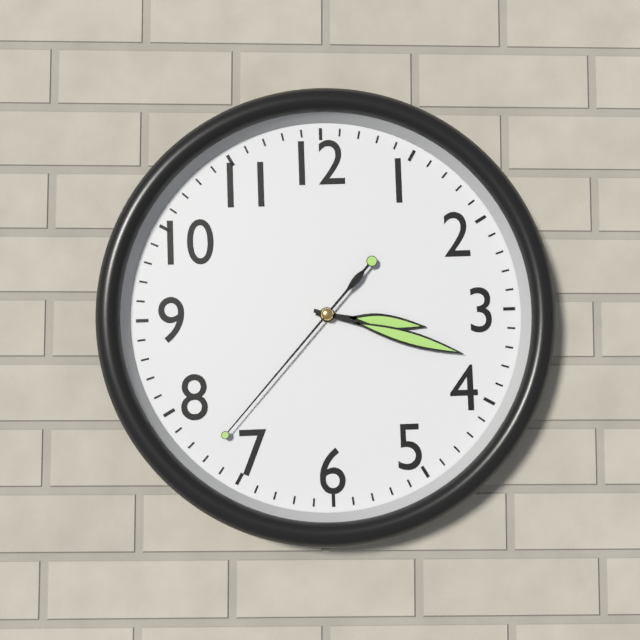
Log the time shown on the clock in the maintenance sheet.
3:18:37
